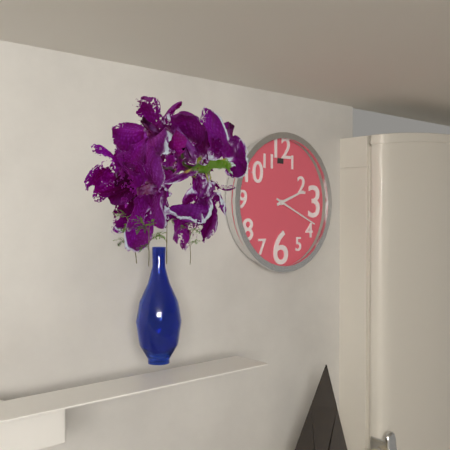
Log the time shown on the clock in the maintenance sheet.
2:19
